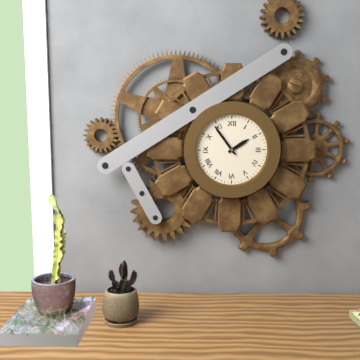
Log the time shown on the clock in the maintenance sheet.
1:54
